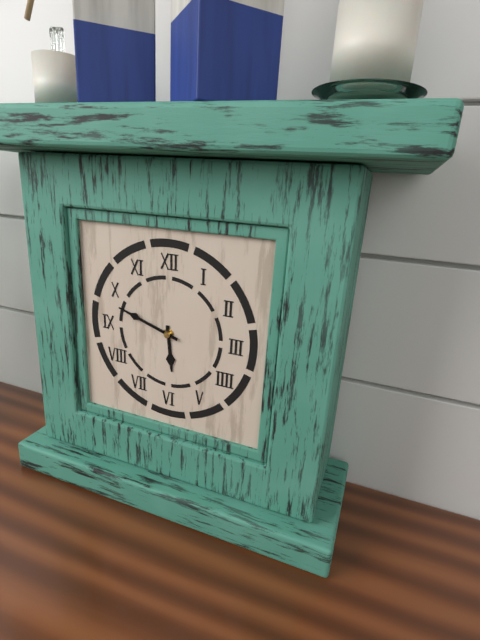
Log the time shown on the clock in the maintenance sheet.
5:48
